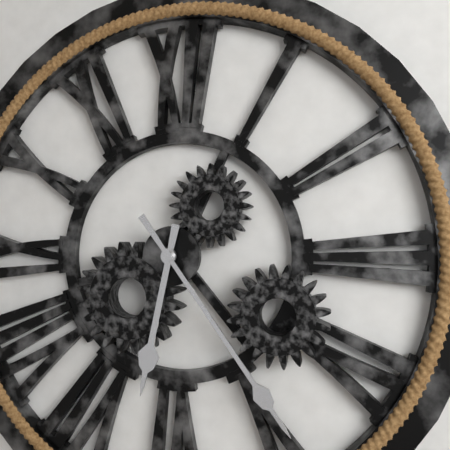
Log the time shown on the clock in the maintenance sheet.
6:24
